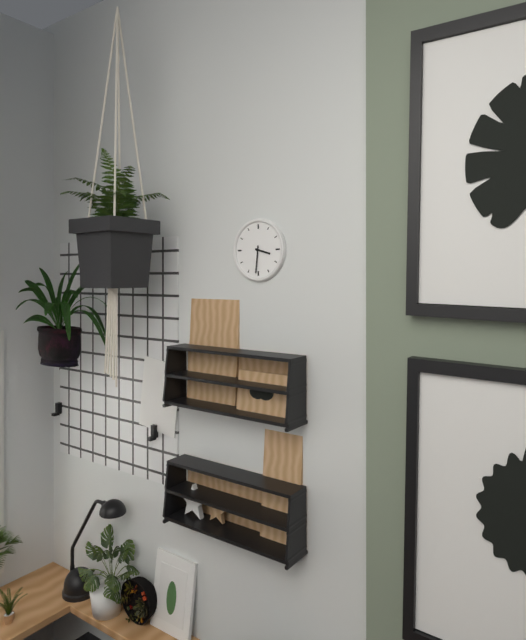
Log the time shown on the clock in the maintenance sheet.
3:31
